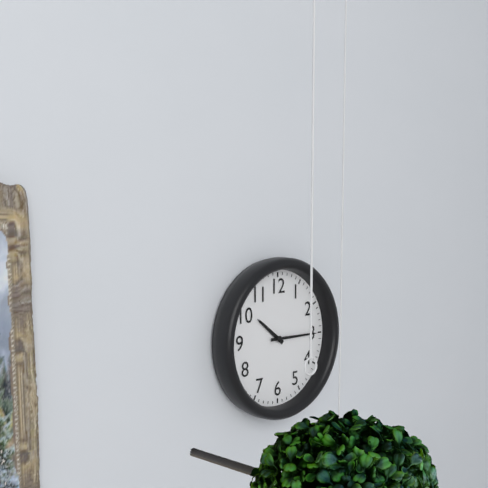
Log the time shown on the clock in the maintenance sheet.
10:15
